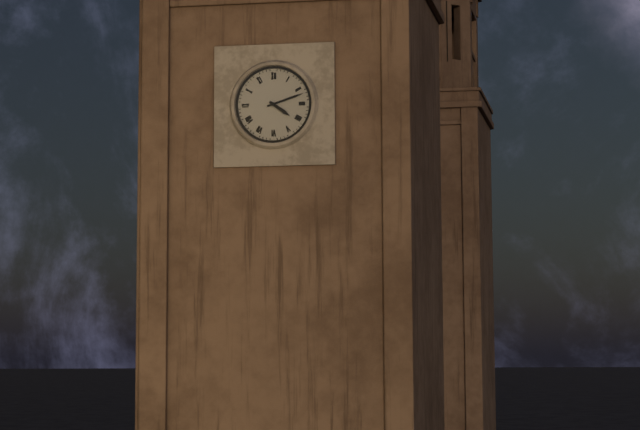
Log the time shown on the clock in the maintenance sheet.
4:12
